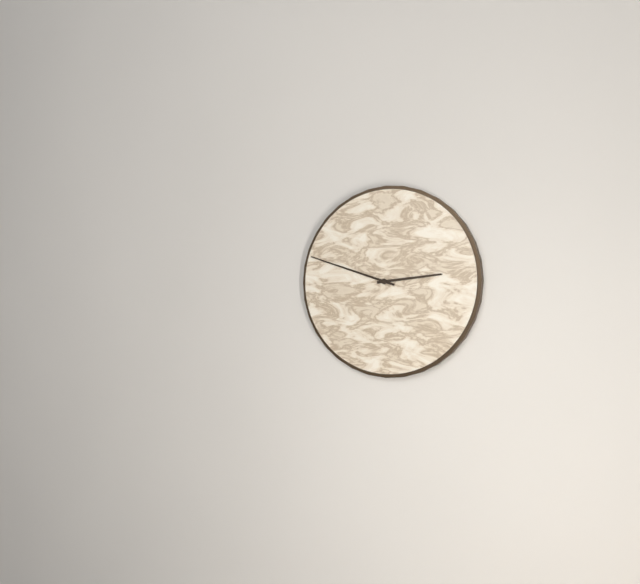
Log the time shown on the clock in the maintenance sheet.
2:48
